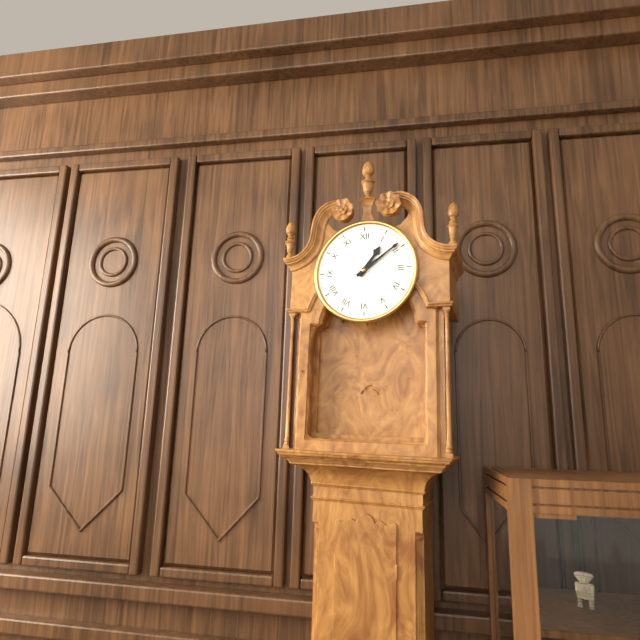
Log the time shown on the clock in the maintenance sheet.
1:09
